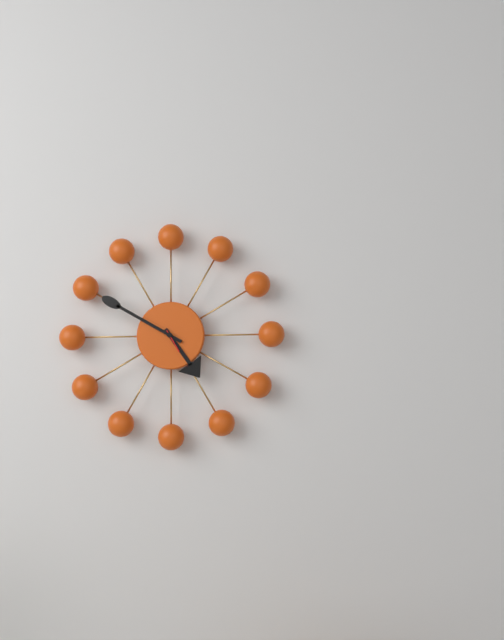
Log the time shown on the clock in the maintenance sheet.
4:50
